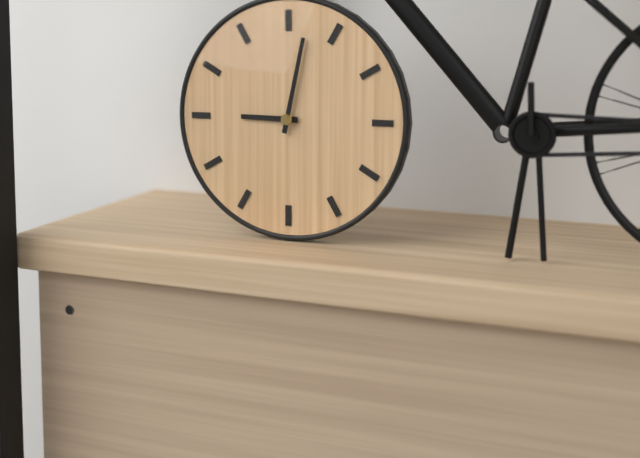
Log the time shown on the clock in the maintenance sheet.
9:02
